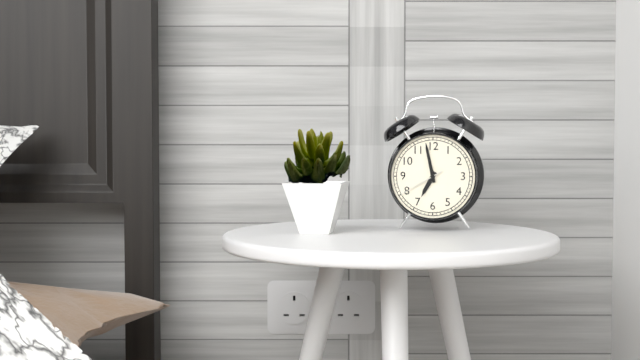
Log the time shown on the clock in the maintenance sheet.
6:58
